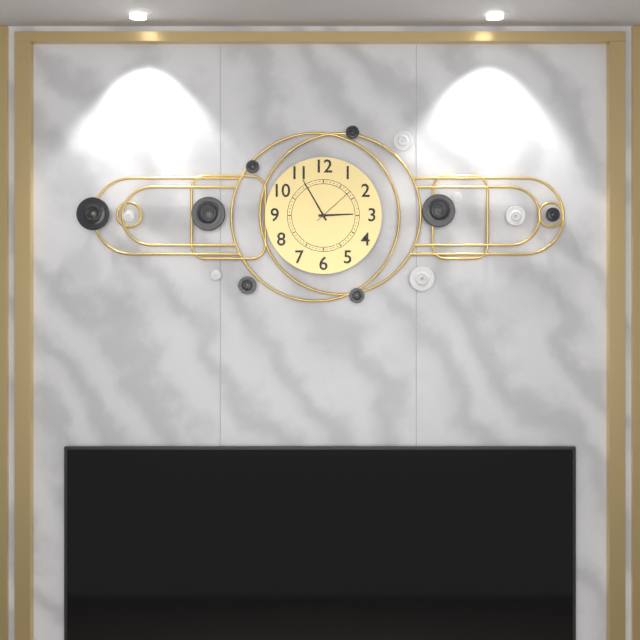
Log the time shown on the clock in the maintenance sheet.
2:55
